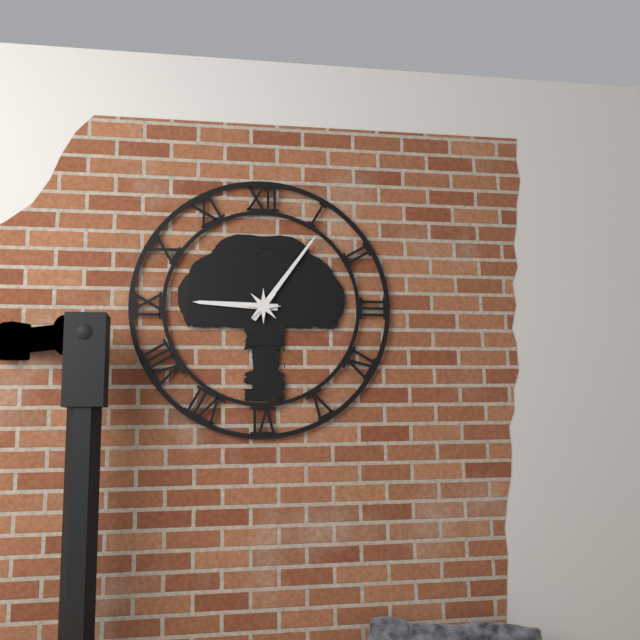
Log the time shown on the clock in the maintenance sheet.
9:06
